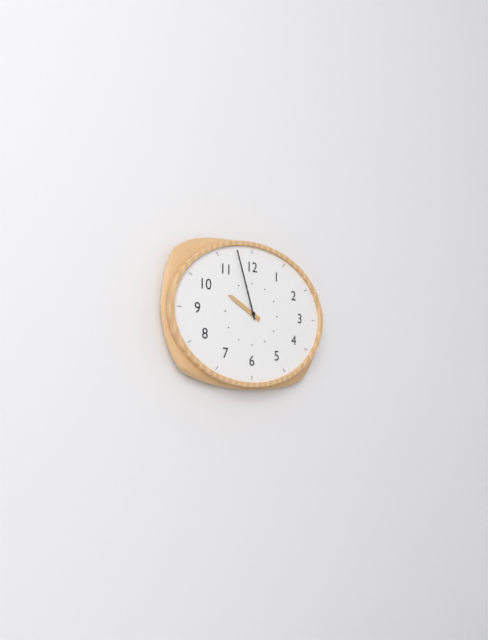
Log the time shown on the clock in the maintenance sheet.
9:57
